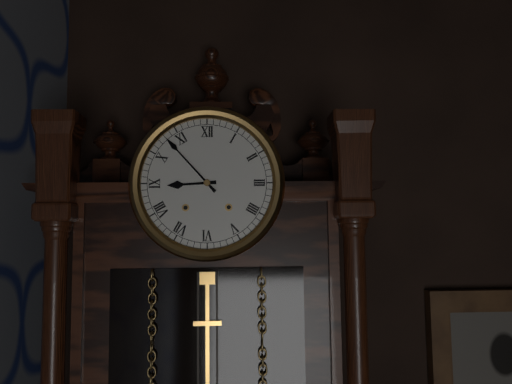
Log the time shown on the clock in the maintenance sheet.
8:53
